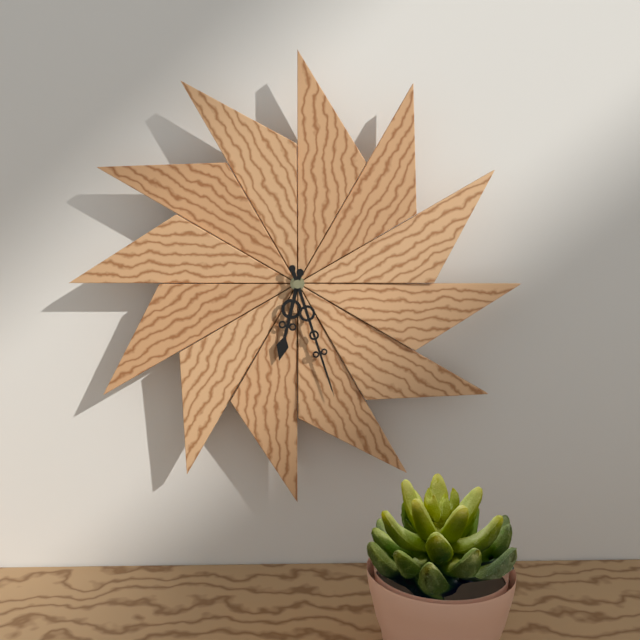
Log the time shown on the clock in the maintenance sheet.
6:27
